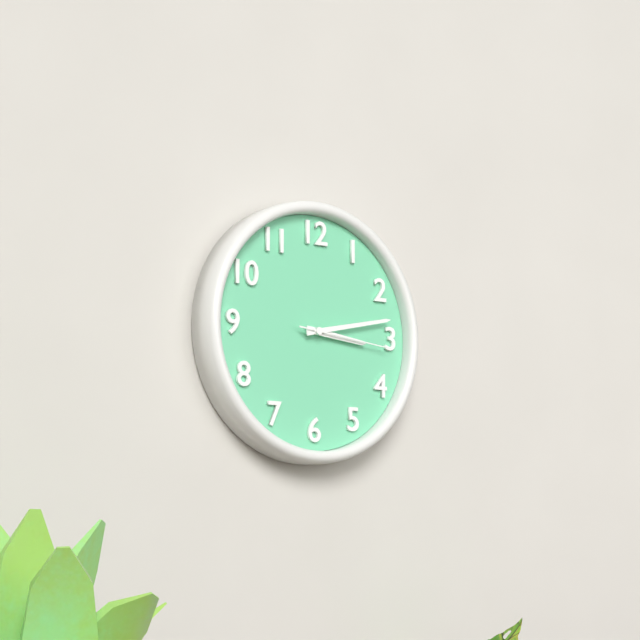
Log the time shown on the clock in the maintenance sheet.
3:13:16
